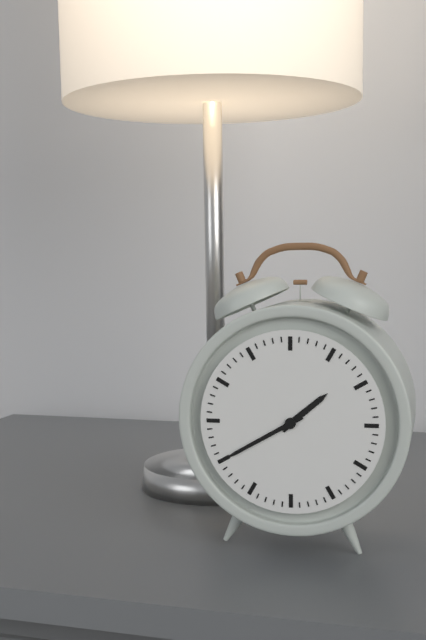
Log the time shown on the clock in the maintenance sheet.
1:40
